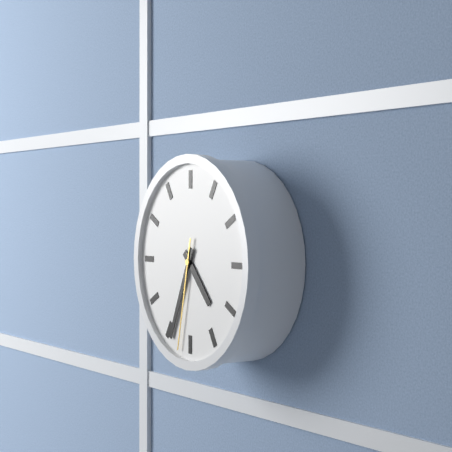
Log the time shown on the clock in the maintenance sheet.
4:34:32
